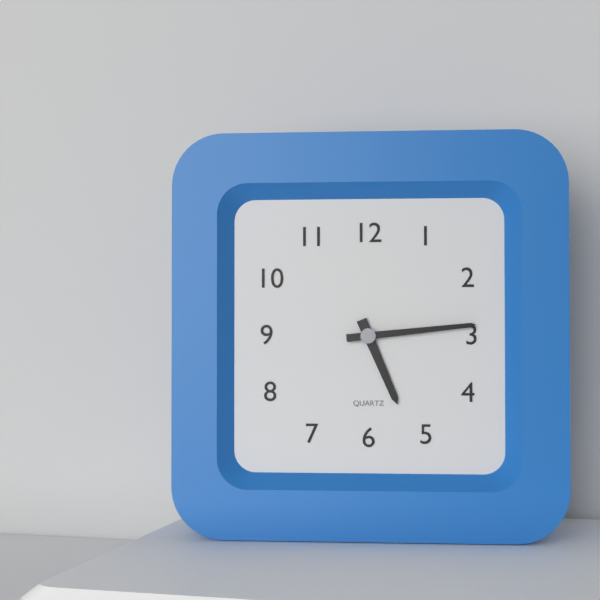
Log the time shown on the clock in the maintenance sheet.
5:14
